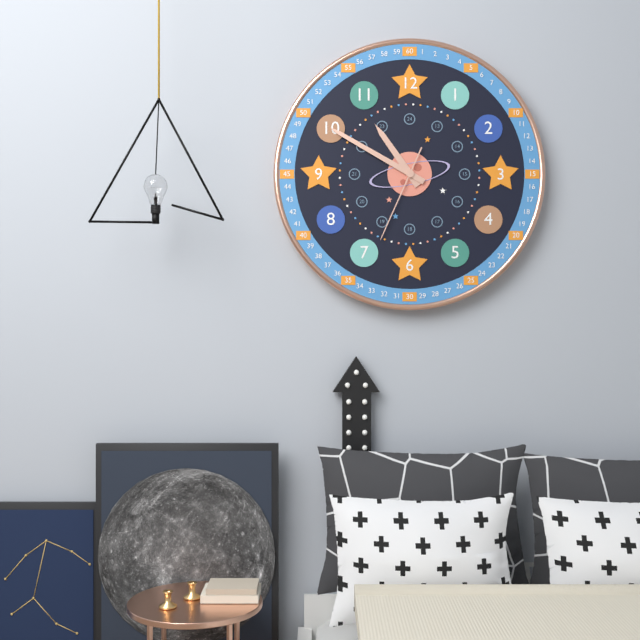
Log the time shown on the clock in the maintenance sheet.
10:50:34
